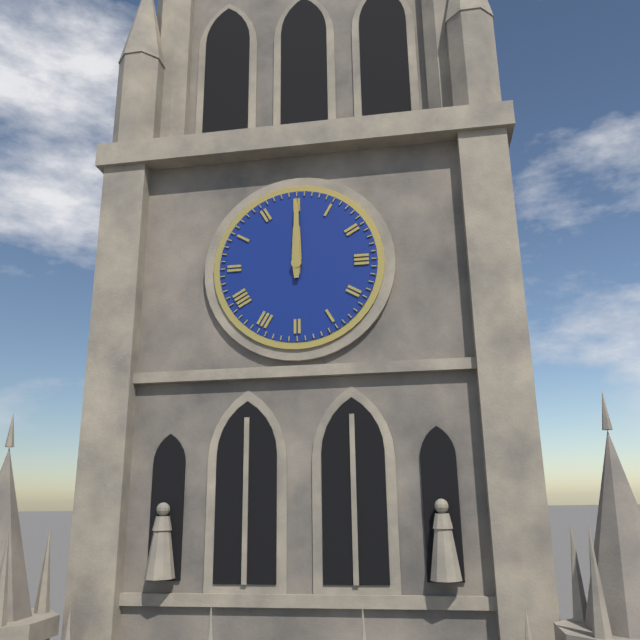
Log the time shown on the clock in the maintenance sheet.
12:00
